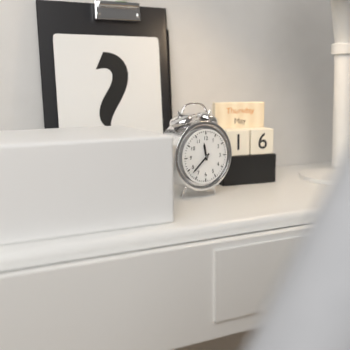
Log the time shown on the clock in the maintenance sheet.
11:38
